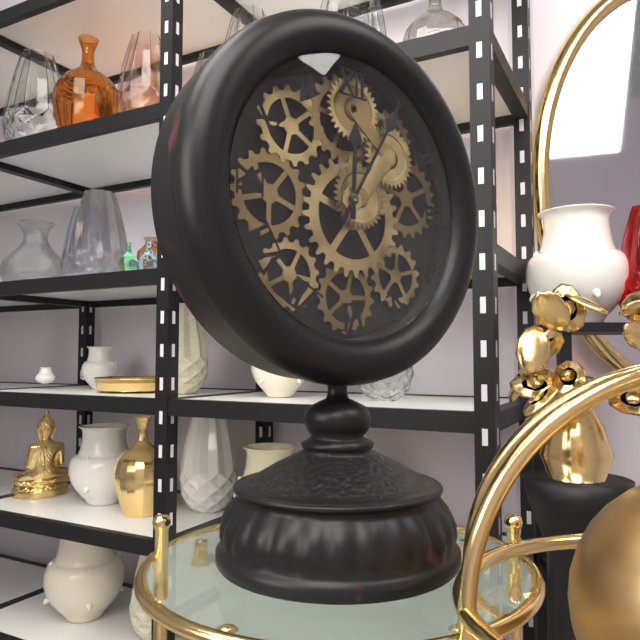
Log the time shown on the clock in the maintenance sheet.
12:05
